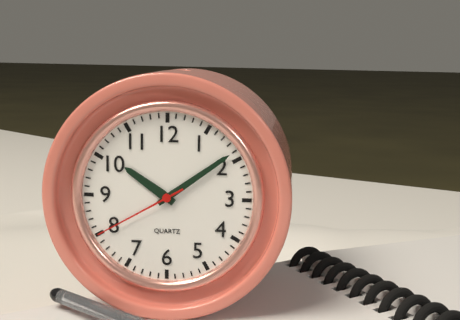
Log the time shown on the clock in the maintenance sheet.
10:09:40
